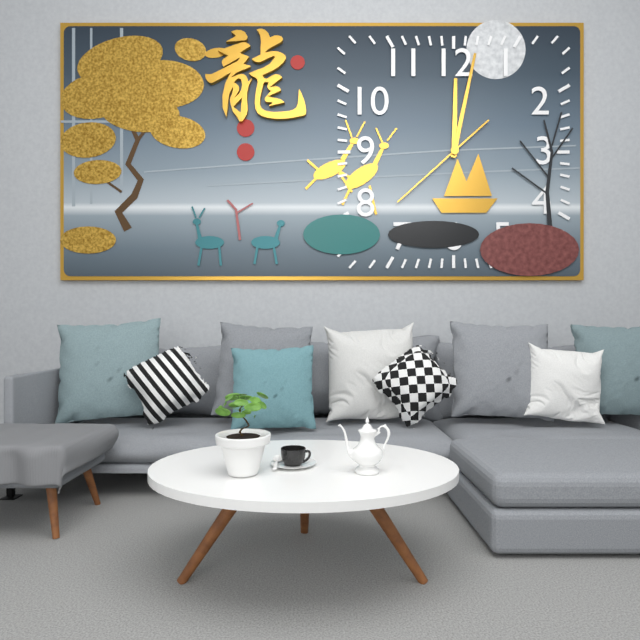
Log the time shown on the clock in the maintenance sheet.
12:02:38
